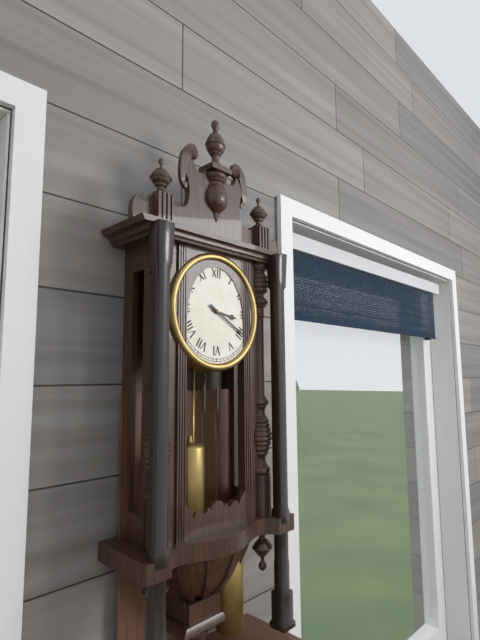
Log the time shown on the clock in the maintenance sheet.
3:20
